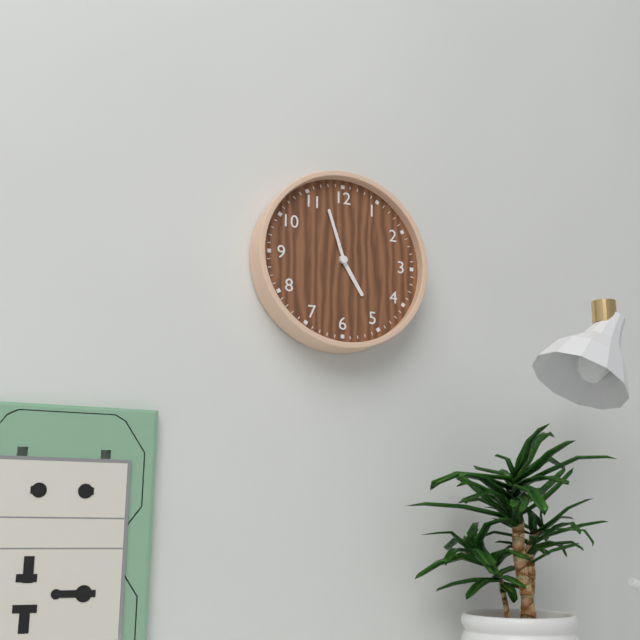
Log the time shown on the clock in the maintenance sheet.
4:57
